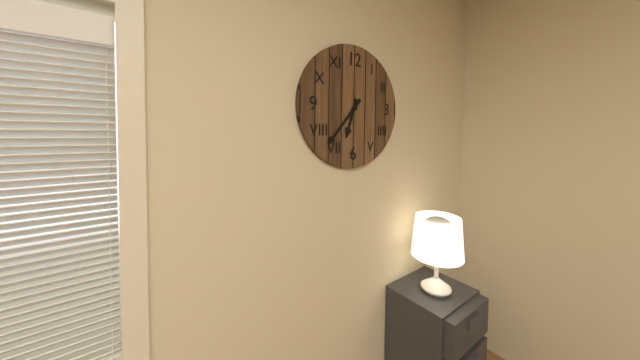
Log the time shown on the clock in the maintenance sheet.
6:37
